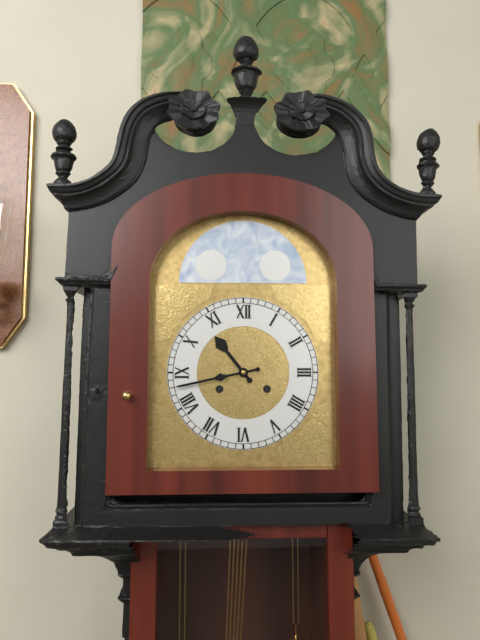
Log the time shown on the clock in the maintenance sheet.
10:43
